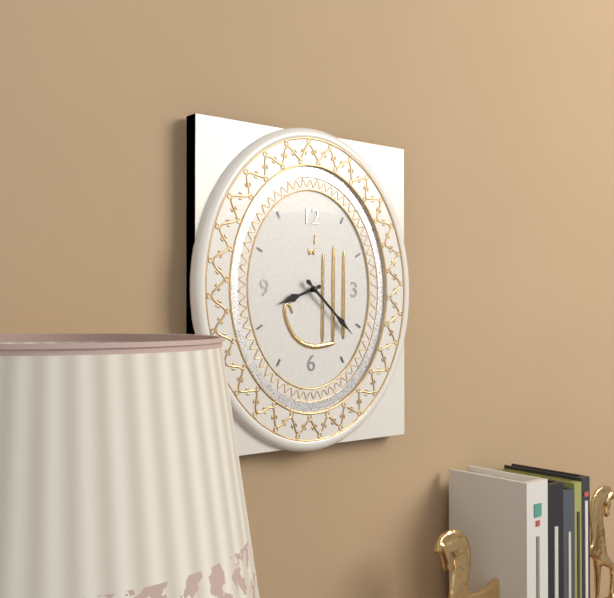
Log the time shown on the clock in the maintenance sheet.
8:22
